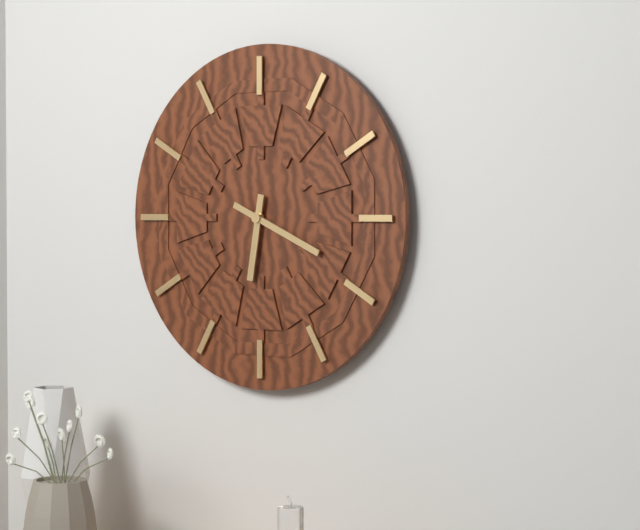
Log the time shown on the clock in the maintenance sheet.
6:19
